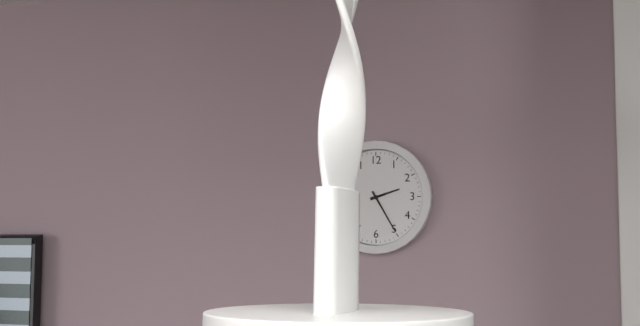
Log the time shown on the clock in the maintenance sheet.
2:25
